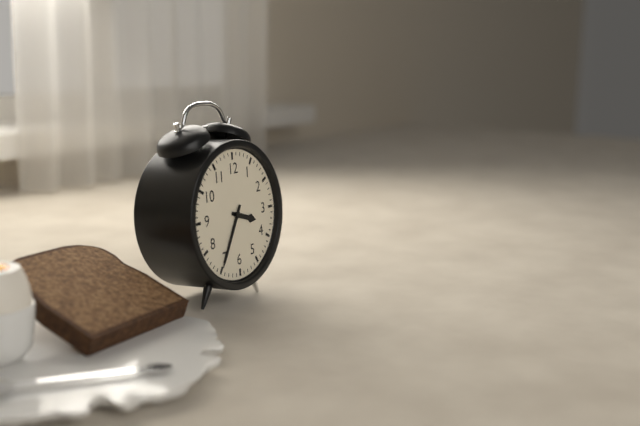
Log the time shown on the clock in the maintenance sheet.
3:35
